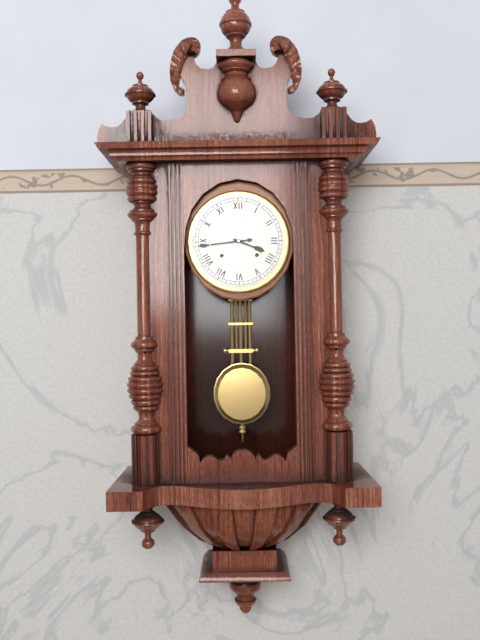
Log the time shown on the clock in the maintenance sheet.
3:44
